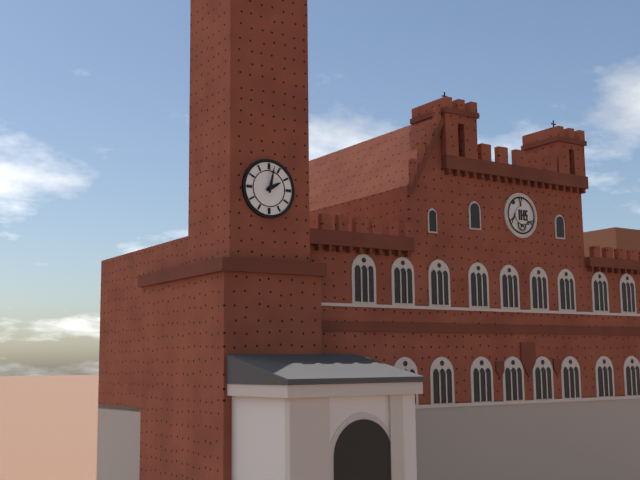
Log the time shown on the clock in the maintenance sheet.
2:02
